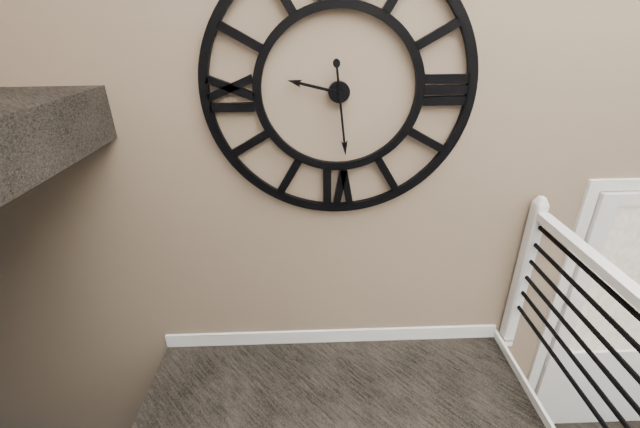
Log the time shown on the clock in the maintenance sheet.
9:29
